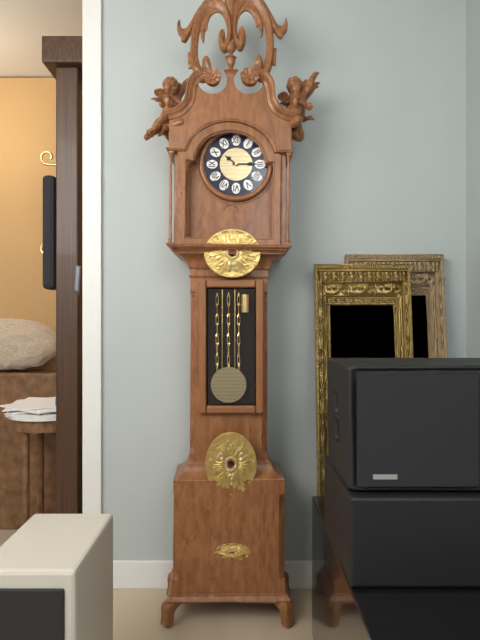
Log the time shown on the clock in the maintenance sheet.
10:15
